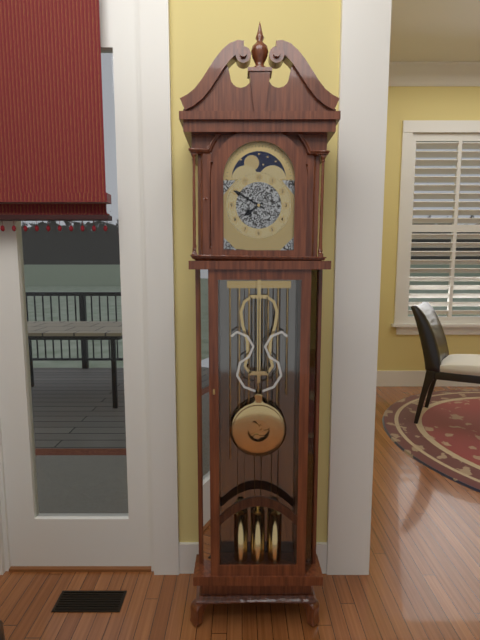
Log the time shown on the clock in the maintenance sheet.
7:50
